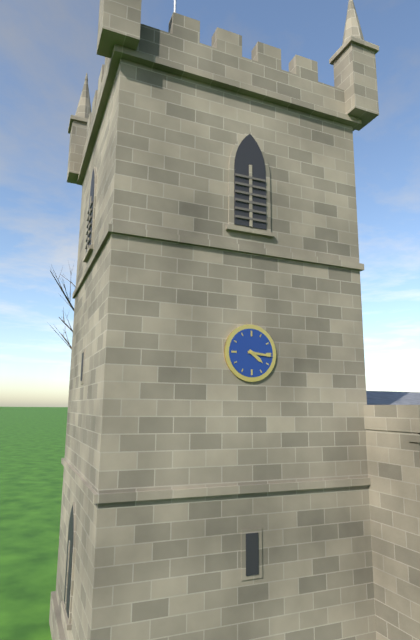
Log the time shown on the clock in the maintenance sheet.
4:16
